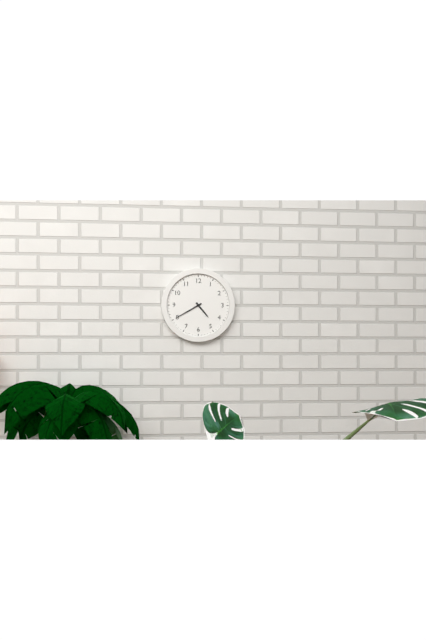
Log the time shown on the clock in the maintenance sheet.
4:40
